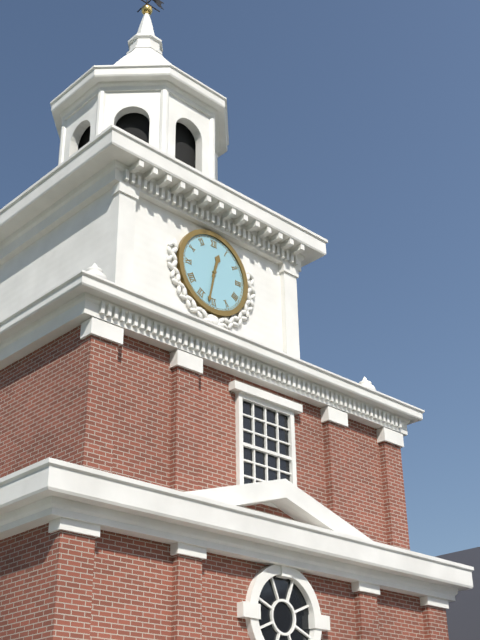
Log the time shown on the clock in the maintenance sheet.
12:32
